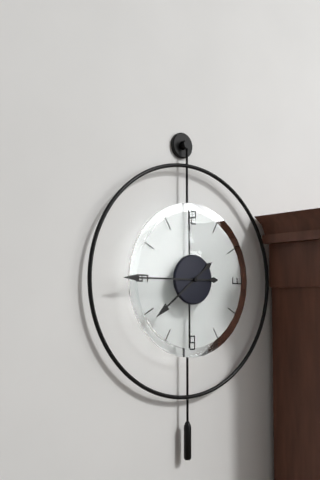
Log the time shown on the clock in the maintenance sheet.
7:45
